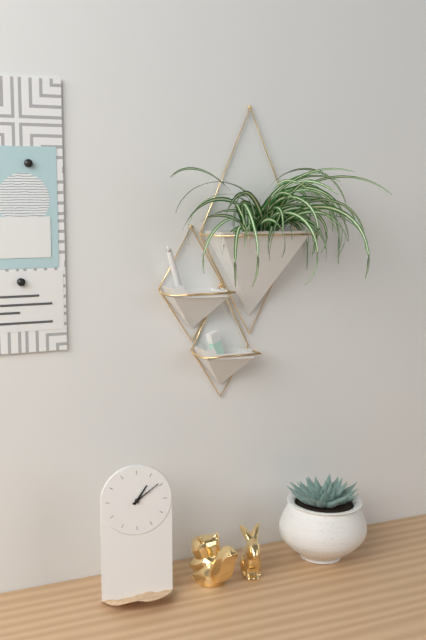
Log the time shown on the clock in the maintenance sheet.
1:09
